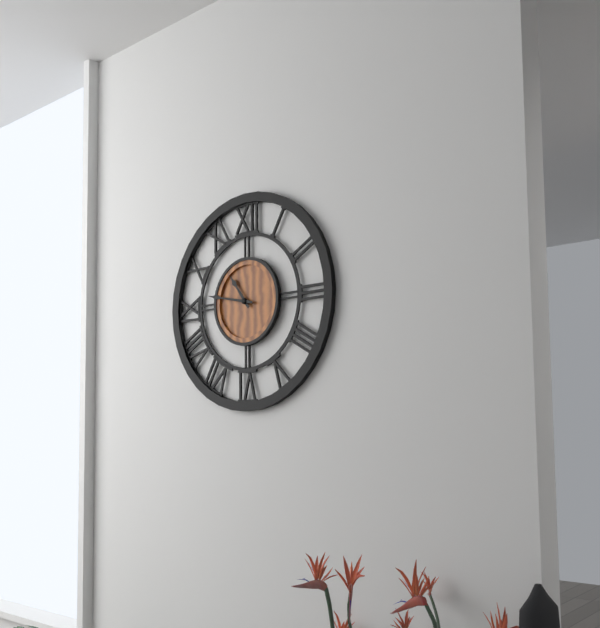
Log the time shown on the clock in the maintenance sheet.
10:47
